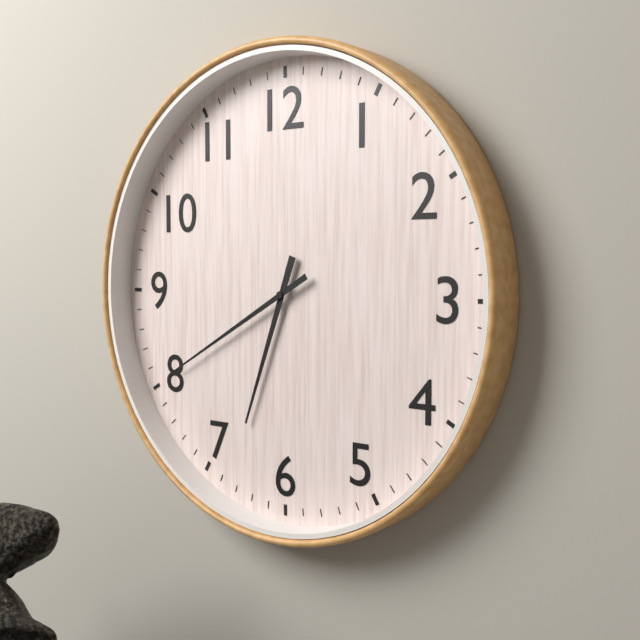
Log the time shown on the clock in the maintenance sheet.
6:40
